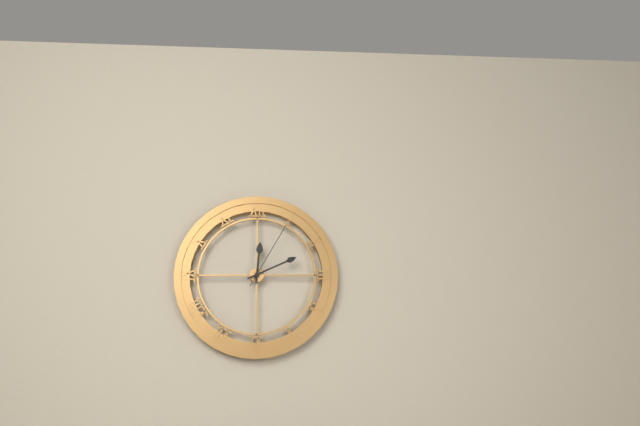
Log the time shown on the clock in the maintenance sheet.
12:11:05
